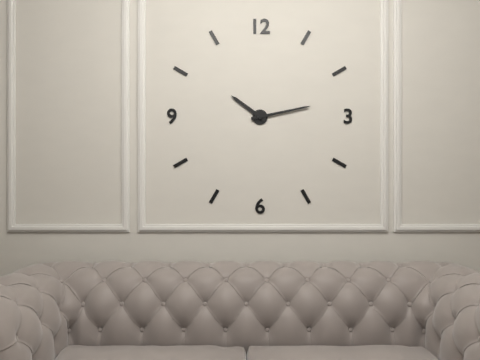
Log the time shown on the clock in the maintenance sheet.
10:13
